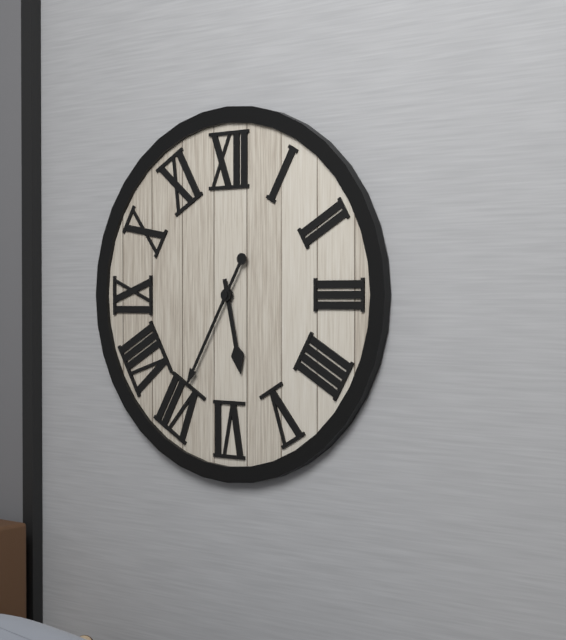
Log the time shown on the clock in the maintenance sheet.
5:35
